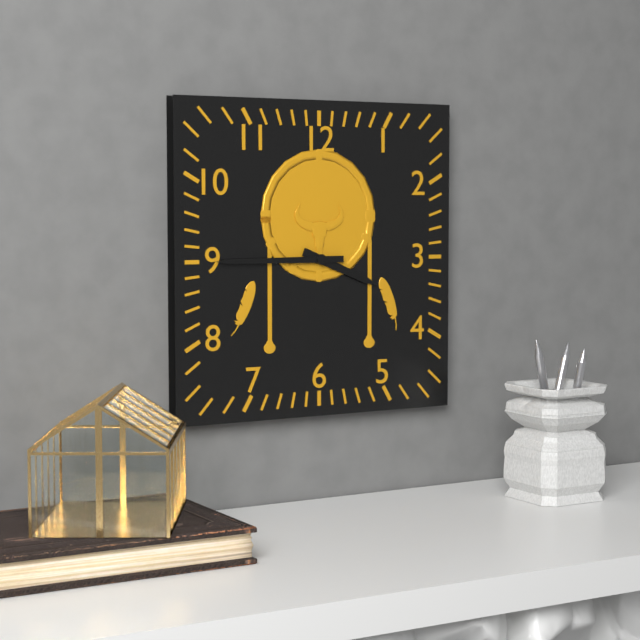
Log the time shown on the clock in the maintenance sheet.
3:45
